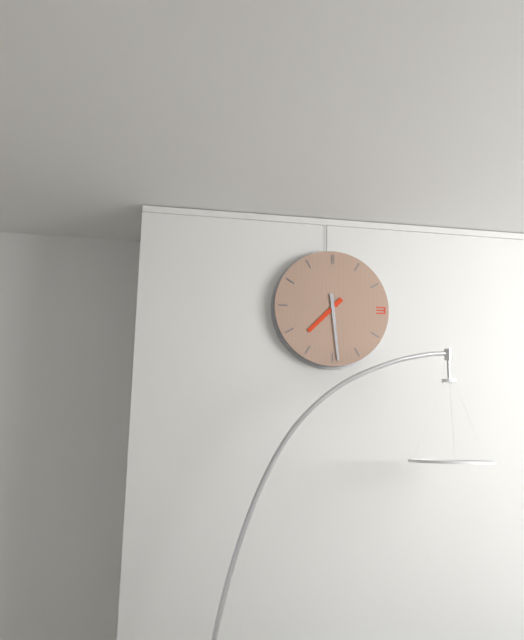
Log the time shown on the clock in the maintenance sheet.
7:29
